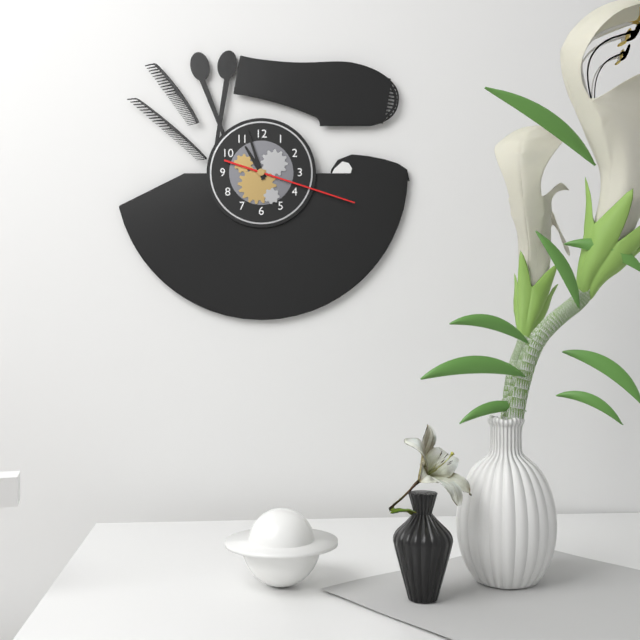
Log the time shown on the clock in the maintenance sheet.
10:57:18
